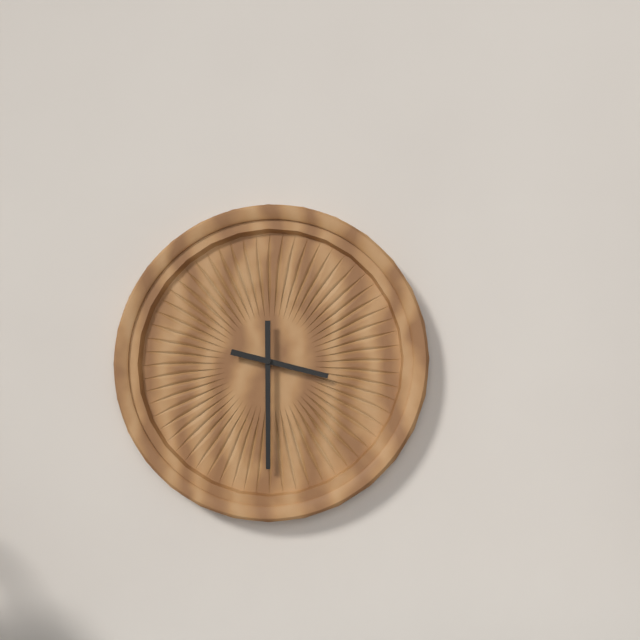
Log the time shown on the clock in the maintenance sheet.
3:30
